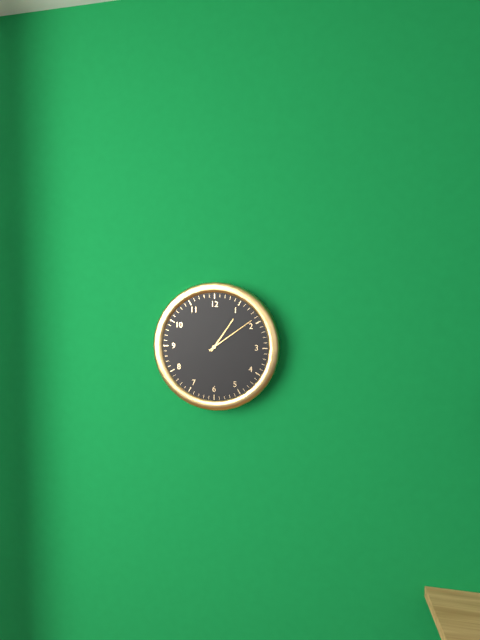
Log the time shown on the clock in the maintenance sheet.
1:09
